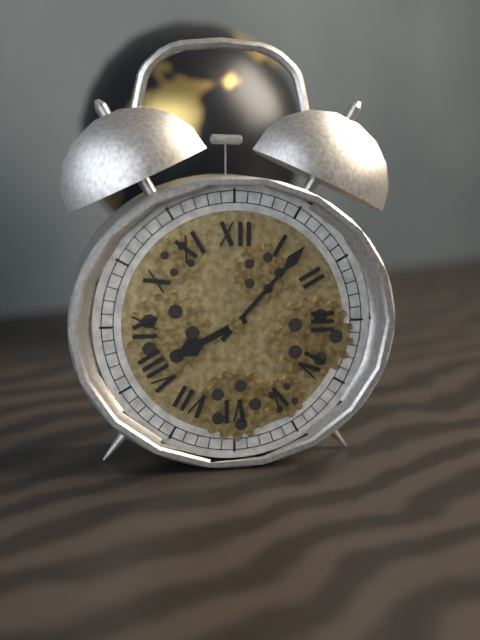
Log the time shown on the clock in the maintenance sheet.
8:07
